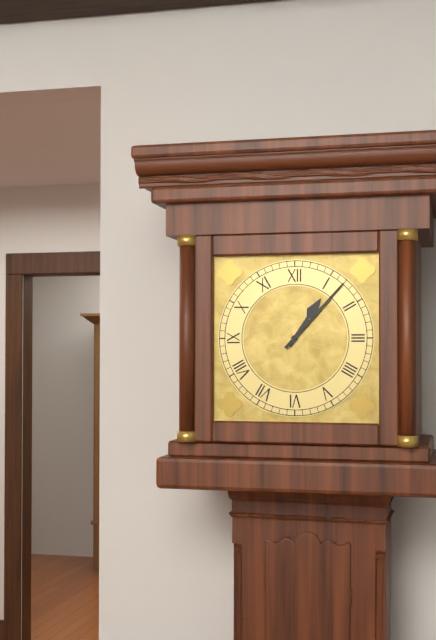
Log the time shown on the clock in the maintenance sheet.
1:07
